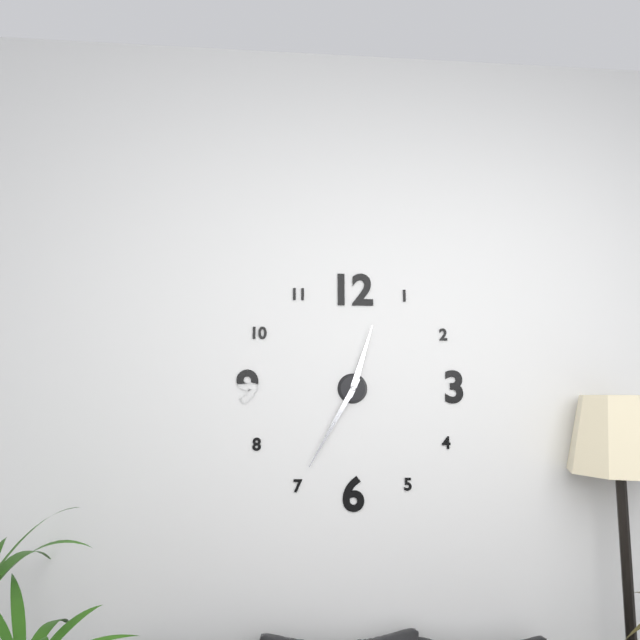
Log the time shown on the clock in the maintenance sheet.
12:35
